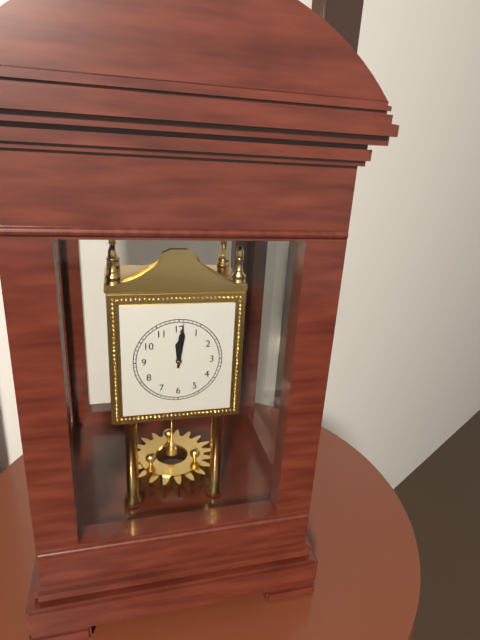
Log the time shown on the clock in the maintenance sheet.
12:01
